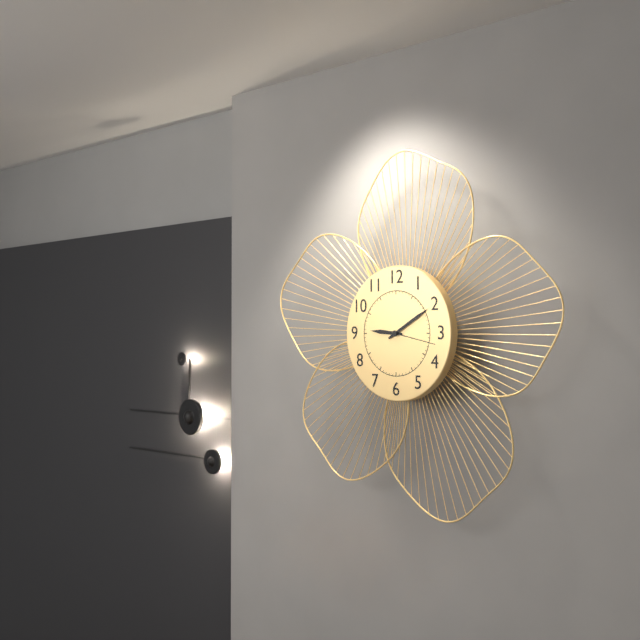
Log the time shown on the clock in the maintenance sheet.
9:10:17
